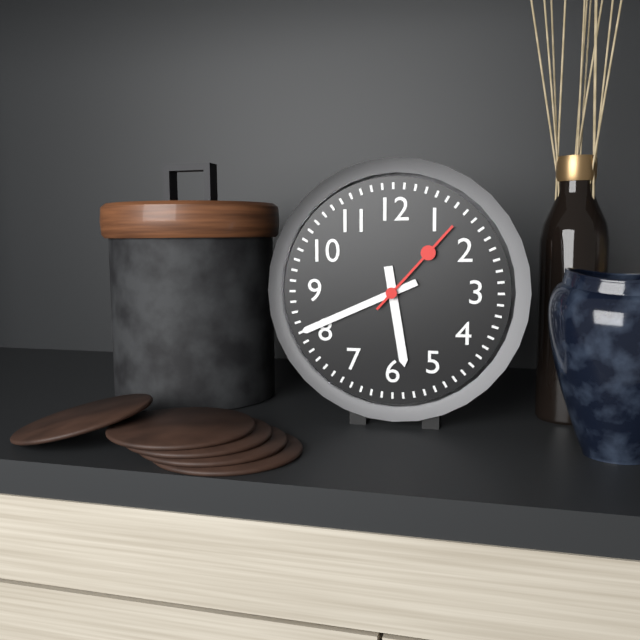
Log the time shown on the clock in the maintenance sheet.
5:41:07
